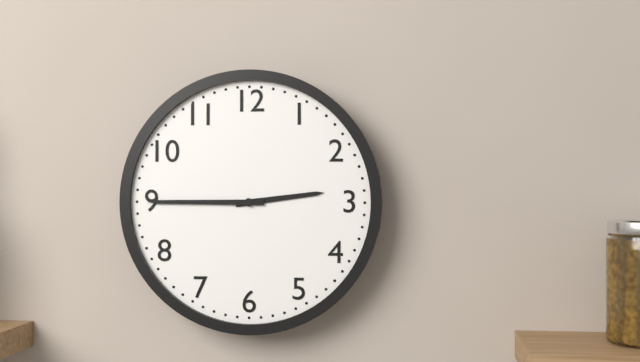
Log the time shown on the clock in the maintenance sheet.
2:45
